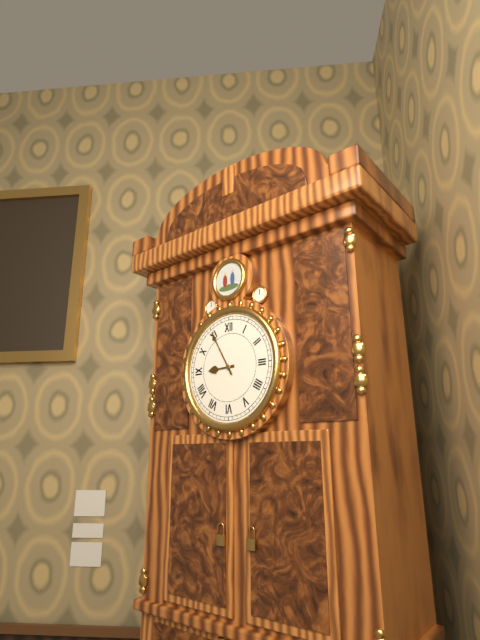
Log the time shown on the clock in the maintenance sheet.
8:55
